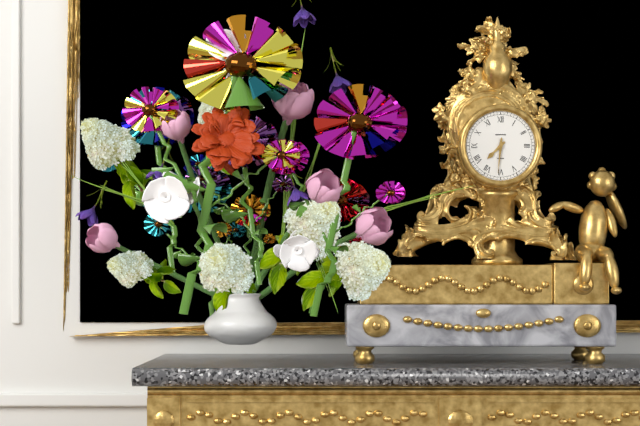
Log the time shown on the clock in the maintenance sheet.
7:31
